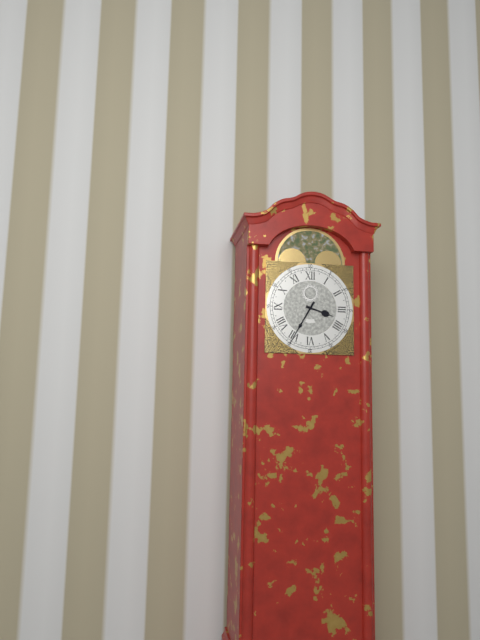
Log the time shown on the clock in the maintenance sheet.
3:35
